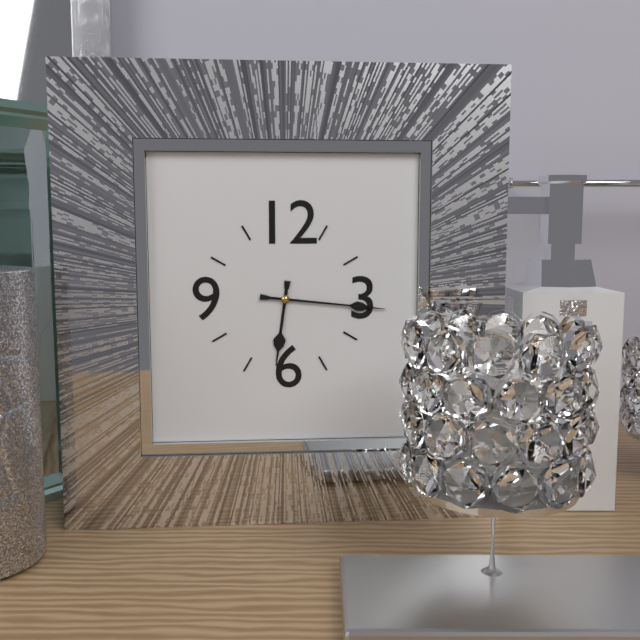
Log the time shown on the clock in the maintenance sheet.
6:16
